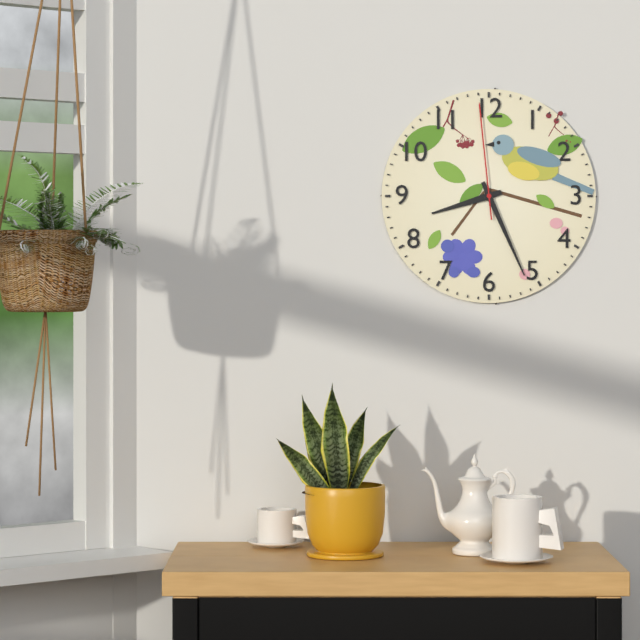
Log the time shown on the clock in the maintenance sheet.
8:26:59
